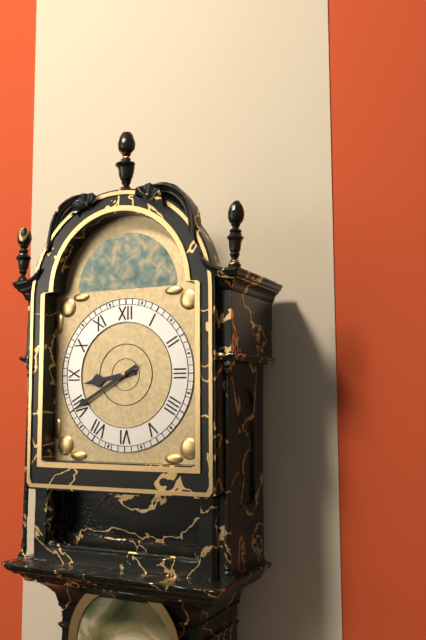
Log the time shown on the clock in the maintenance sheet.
8:40
